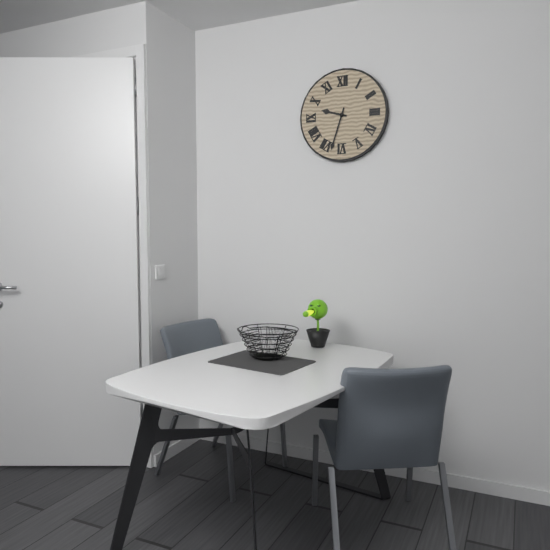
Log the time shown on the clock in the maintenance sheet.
9:33
